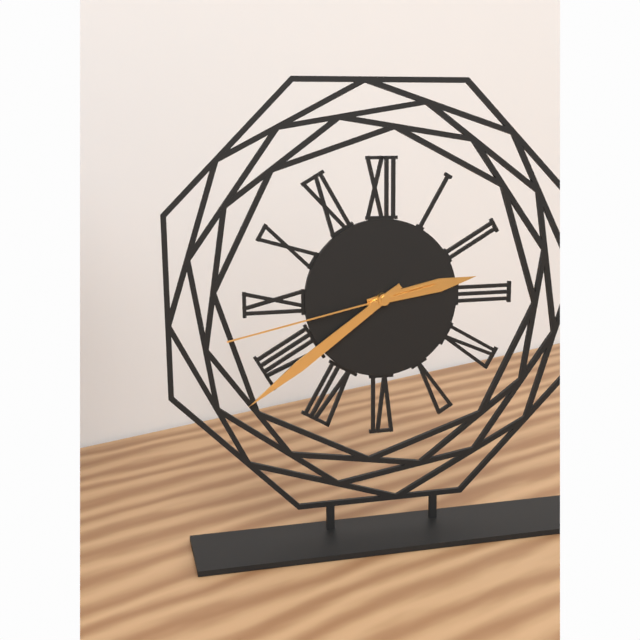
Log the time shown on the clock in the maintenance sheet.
2:39:43
